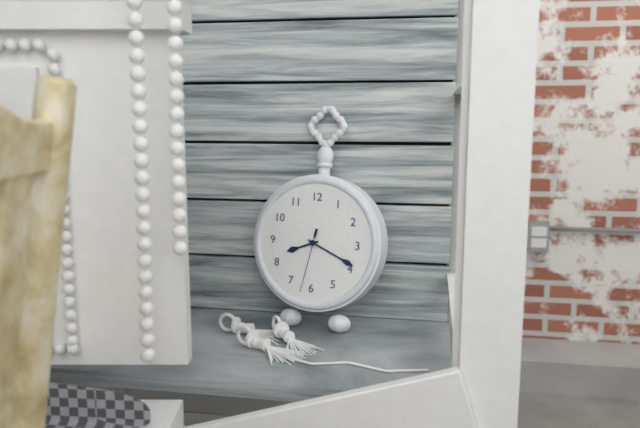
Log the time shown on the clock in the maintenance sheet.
8:19:32
